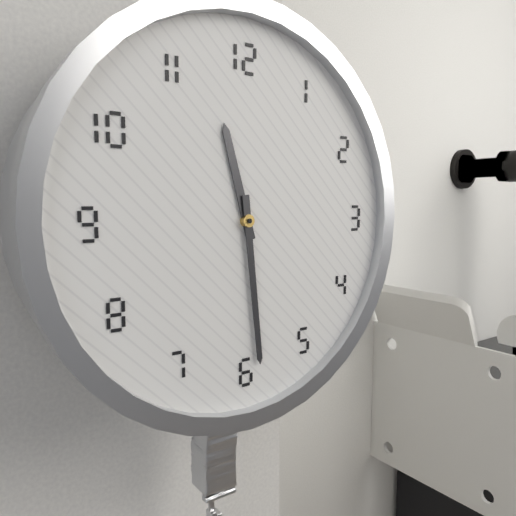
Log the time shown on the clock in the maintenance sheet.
11:29
